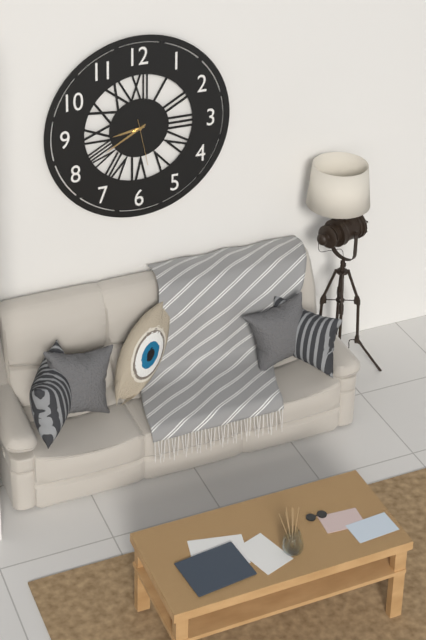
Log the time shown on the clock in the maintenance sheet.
8:40:28
